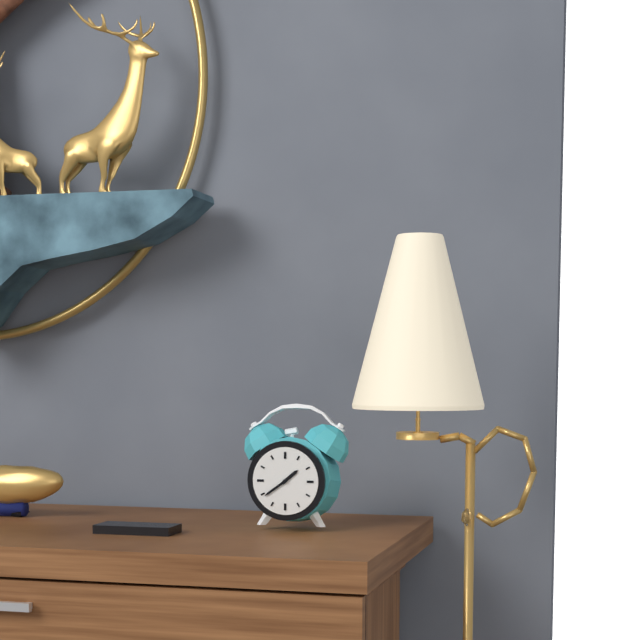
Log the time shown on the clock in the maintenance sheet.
1:39
